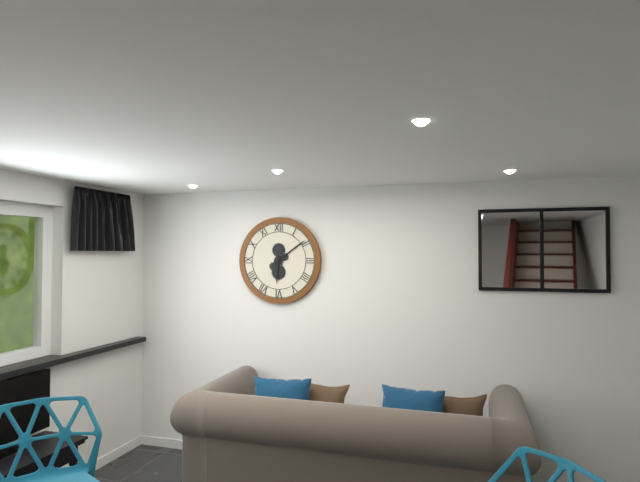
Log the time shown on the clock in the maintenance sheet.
6:09
